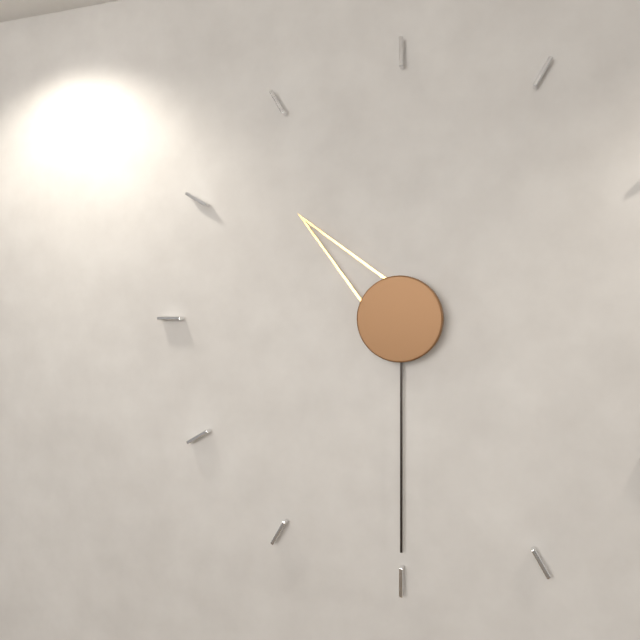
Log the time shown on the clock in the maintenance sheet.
10:30
